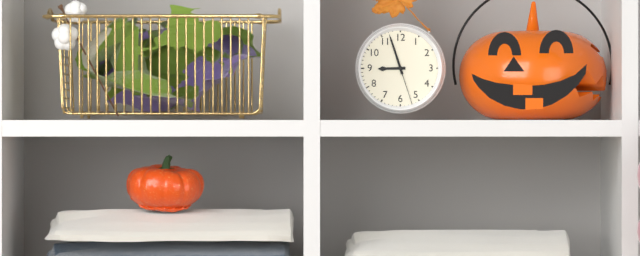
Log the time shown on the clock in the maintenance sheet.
8:57
